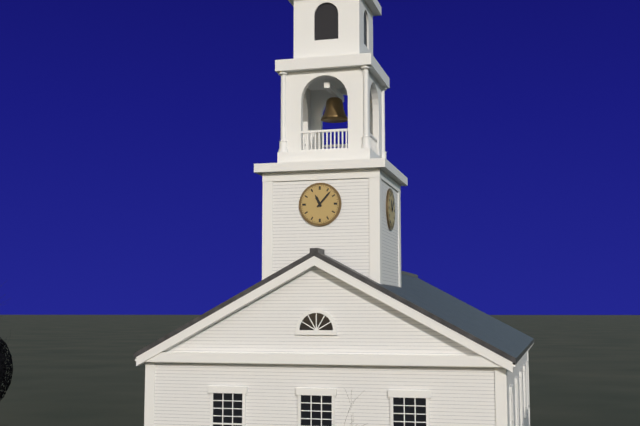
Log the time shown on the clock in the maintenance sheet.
11:07
